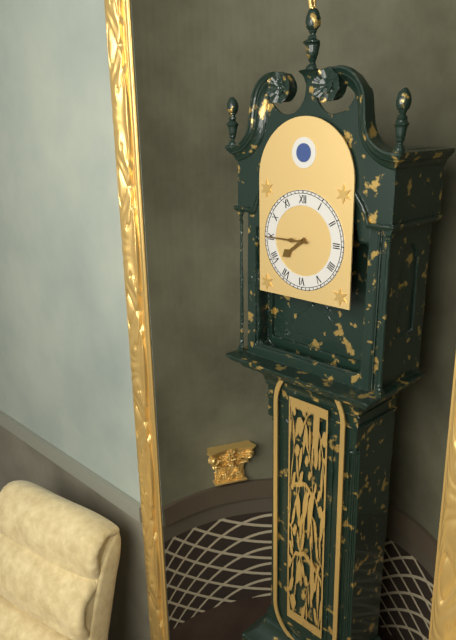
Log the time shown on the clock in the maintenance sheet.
7:45
